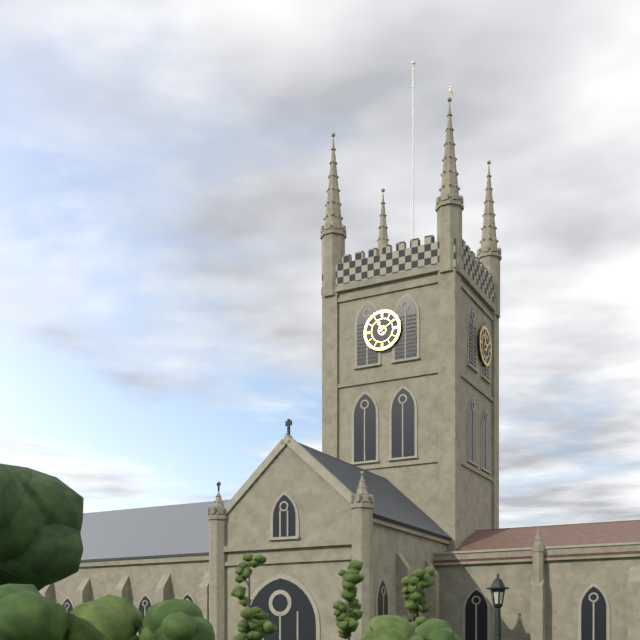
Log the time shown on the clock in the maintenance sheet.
11:10
